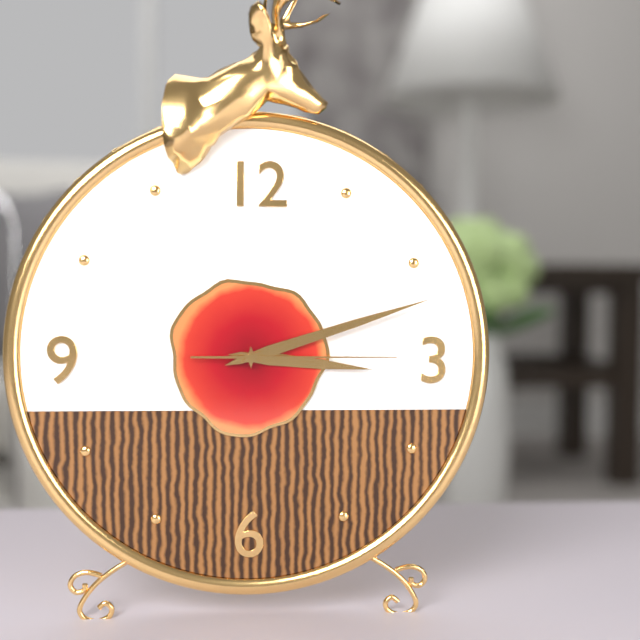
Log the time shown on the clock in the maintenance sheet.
3:12:15
